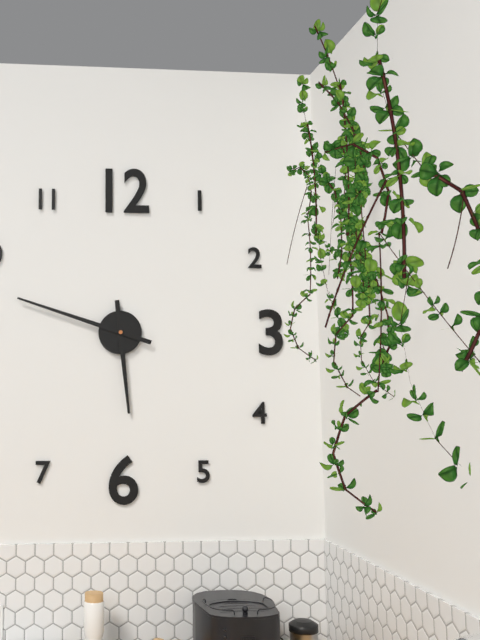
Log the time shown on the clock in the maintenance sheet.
5:48
